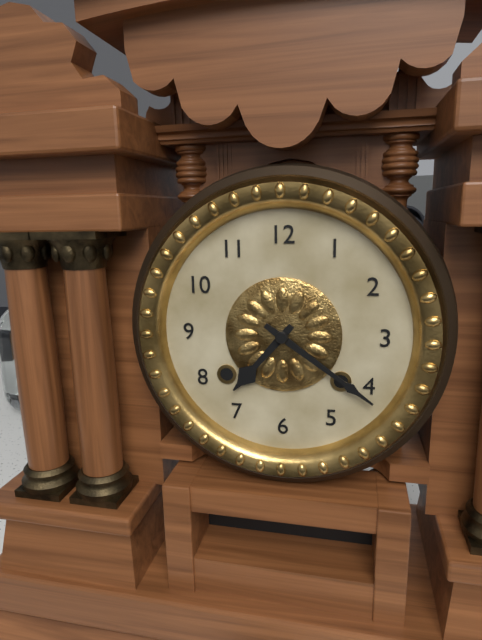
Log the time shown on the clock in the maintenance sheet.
7:21
